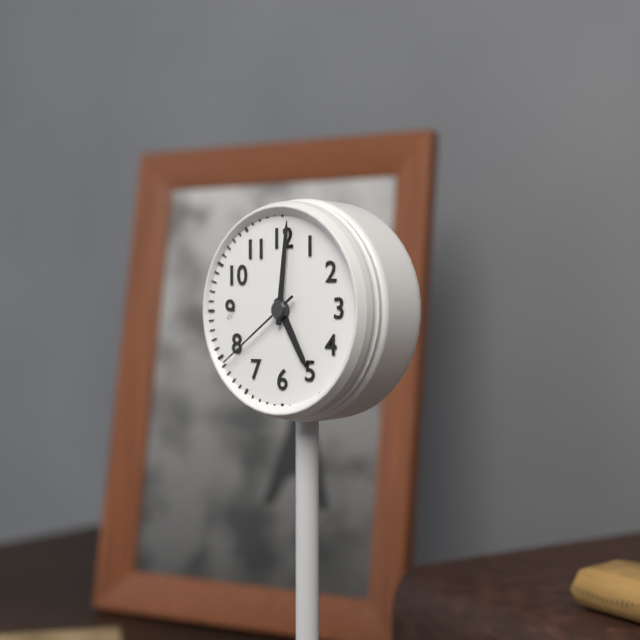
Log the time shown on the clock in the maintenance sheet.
5:01:39
